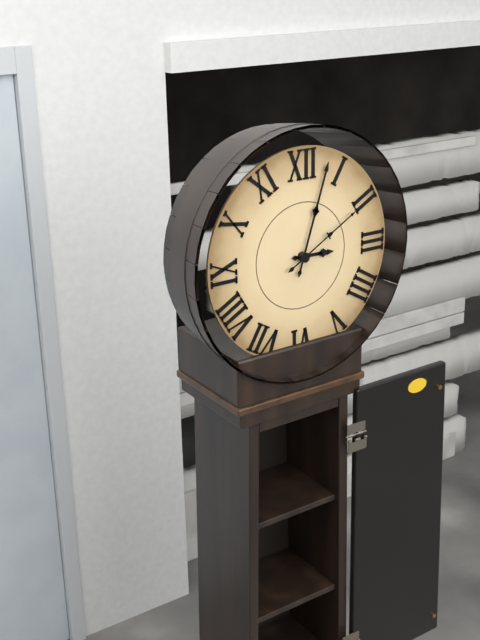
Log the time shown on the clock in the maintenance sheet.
3:03:10
